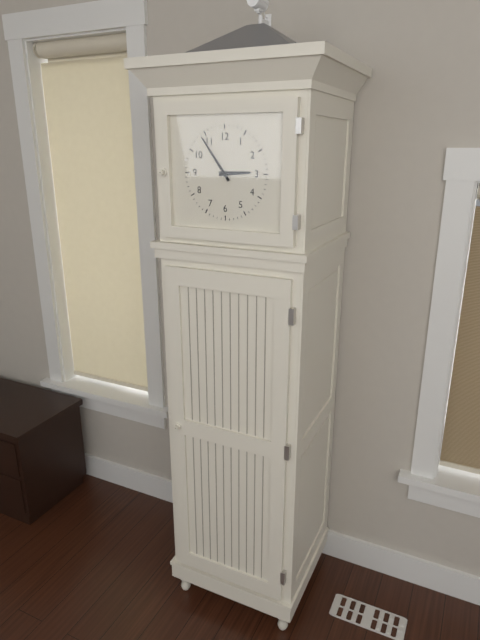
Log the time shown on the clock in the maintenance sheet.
2:54
